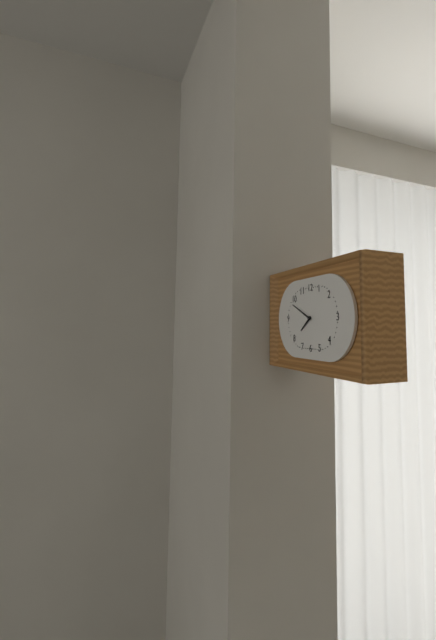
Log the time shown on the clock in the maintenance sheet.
7:49
